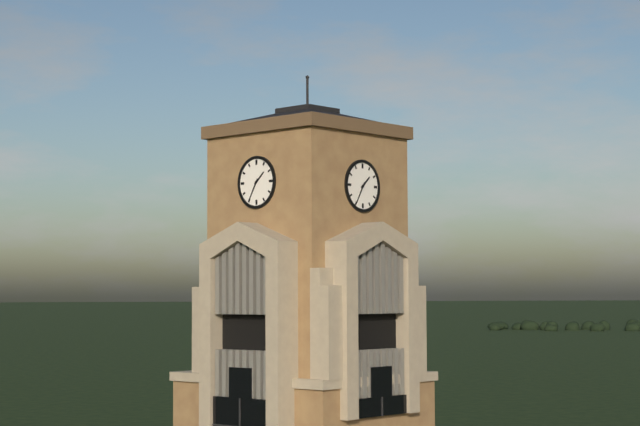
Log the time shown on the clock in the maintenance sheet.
1:35
